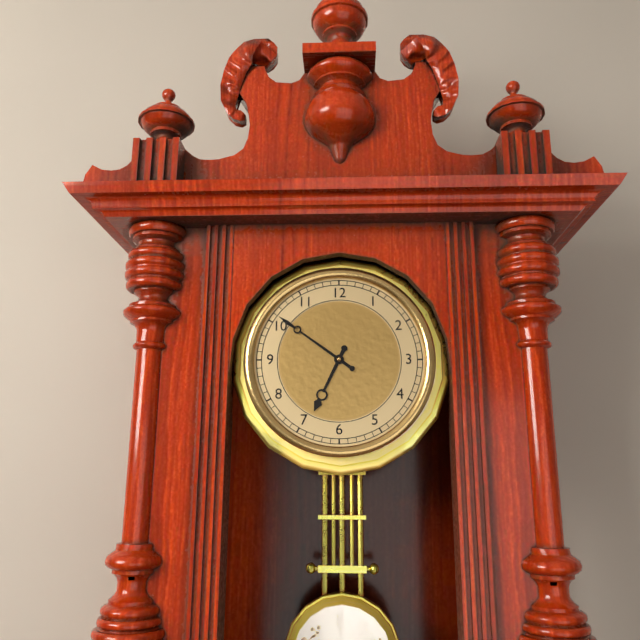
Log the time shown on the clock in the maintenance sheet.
6:51
